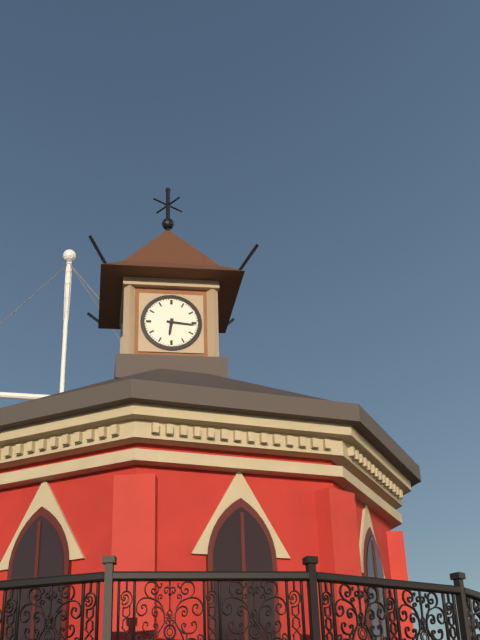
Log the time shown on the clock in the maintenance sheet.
6:16
